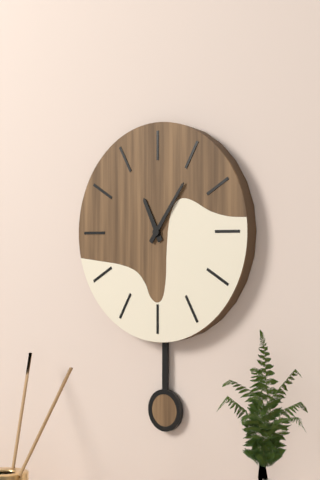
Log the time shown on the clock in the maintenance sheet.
11:06
